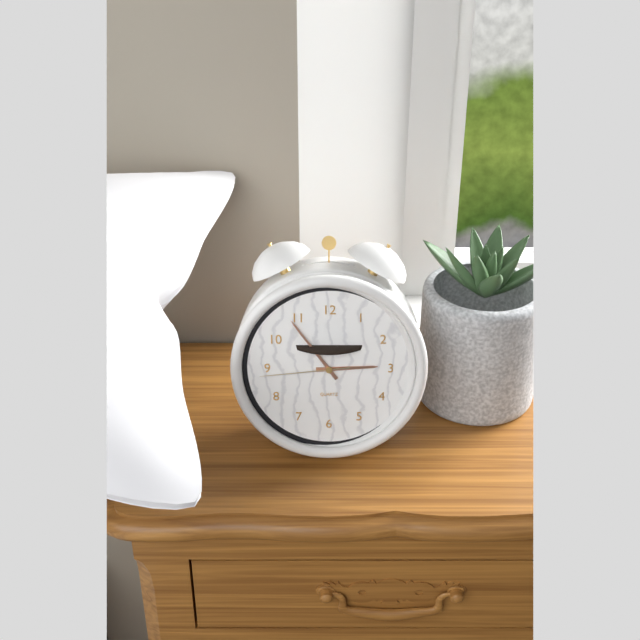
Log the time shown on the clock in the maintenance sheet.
2:54:44
